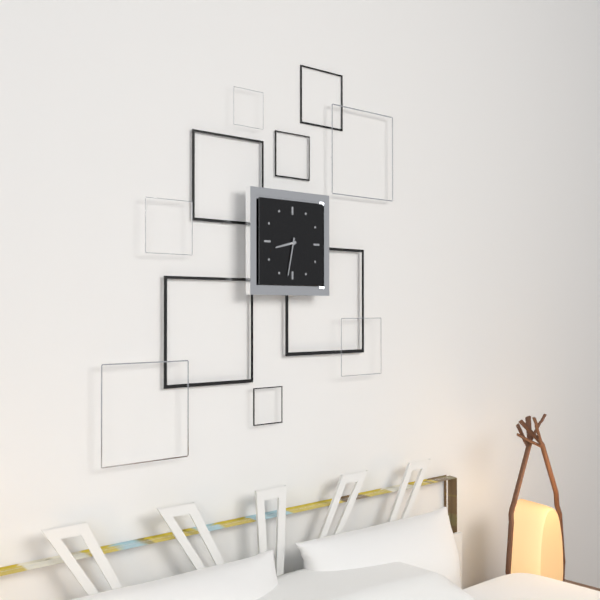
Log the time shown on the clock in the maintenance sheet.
8:32
